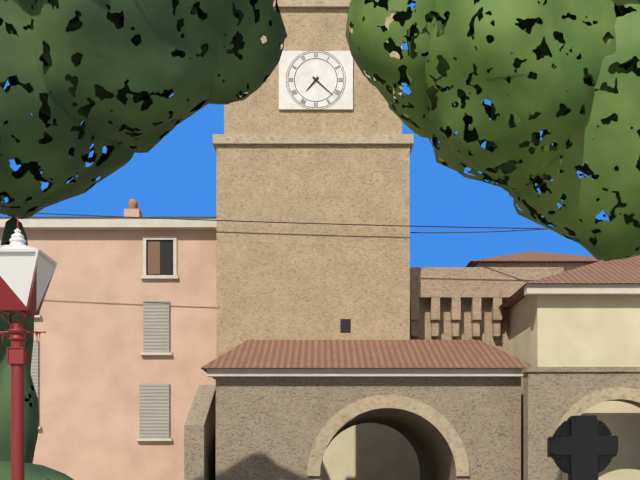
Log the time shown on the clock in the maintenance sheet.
7:22
